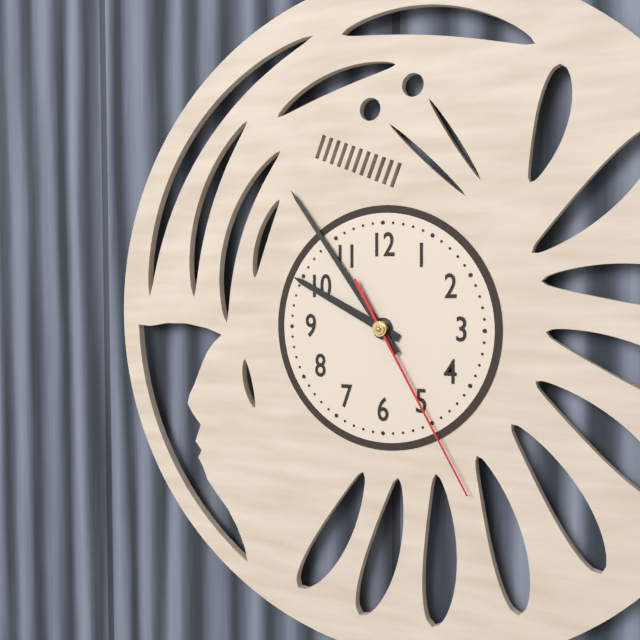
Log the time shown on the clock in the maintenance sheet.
9:54:25
